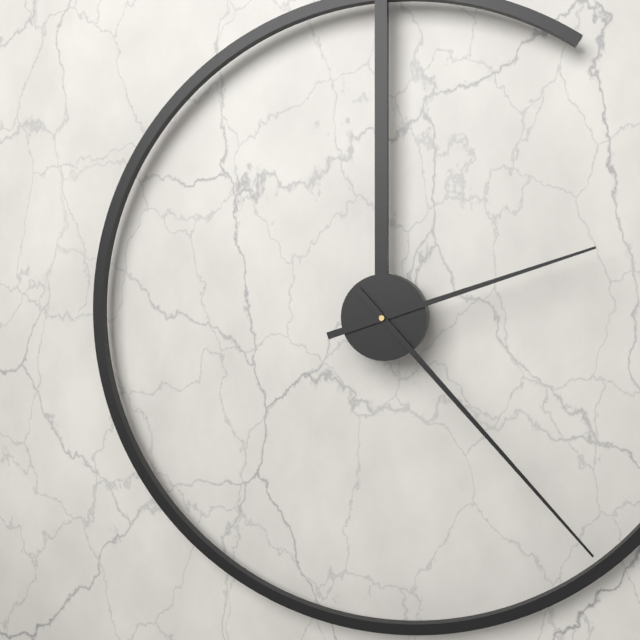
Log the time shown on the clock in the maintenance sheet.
2:23
